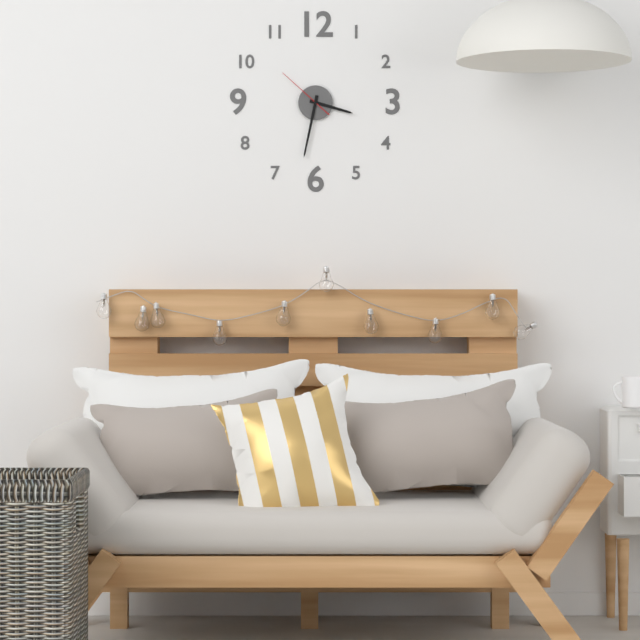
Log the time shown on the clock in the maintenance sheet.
3:32:52
